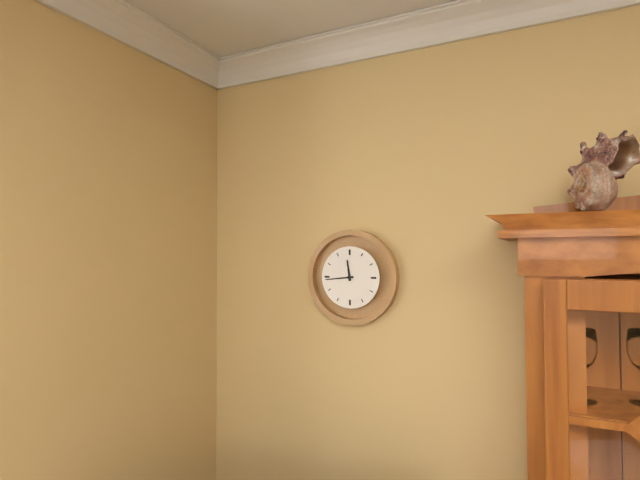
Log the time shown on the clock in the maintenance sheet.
11:44
